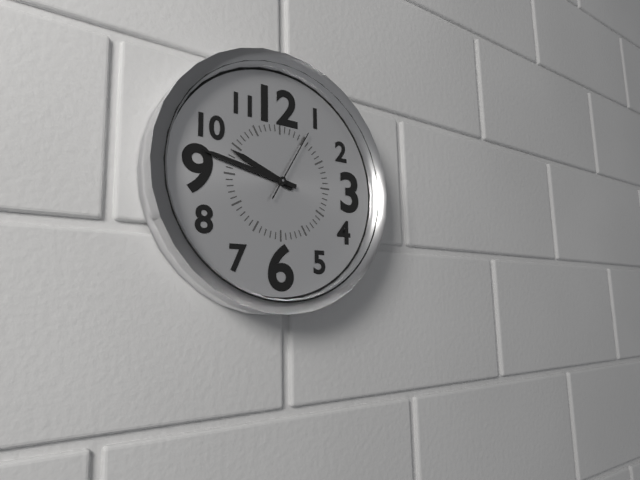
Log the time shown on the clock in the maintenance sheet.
9:47:05
